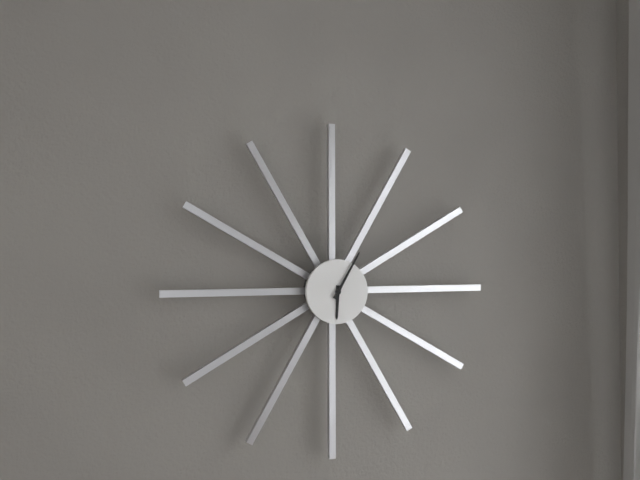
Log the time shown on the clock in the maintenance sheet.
6:05
